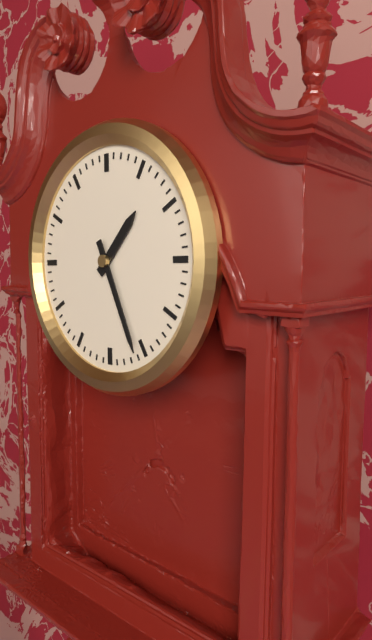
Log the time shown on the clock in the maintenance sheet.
1:26
